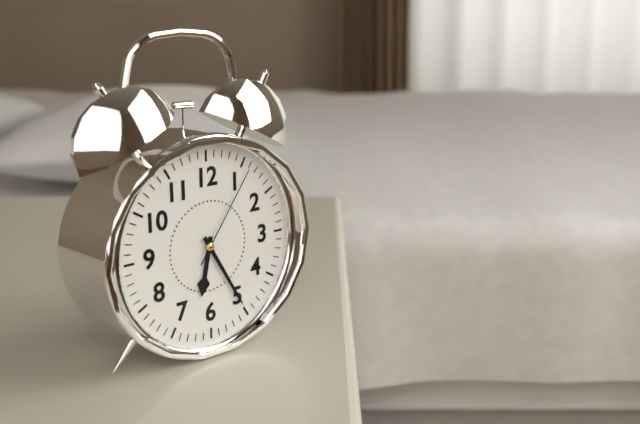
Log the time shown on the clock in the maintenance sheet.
6:25:06
